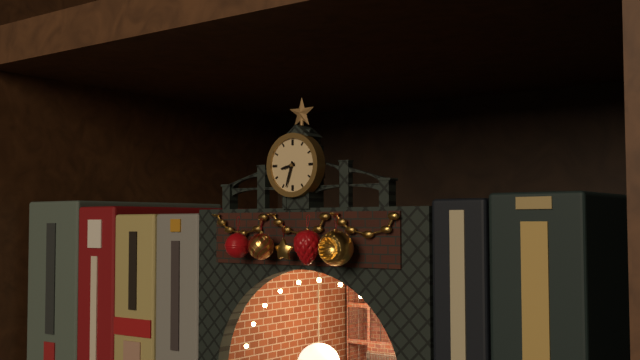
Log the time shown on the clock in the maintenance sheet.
8:33
